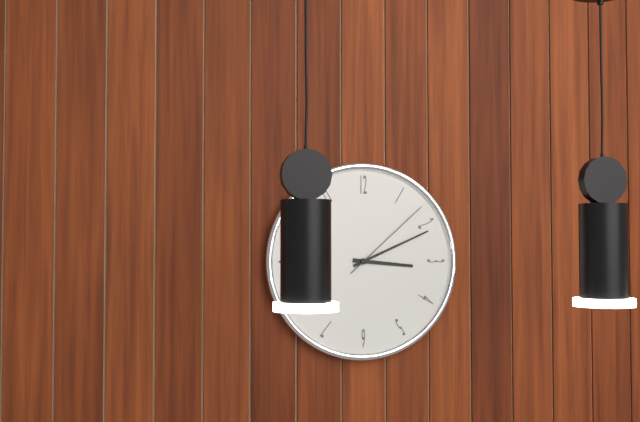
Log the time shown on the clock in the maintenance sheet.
3:11:08
